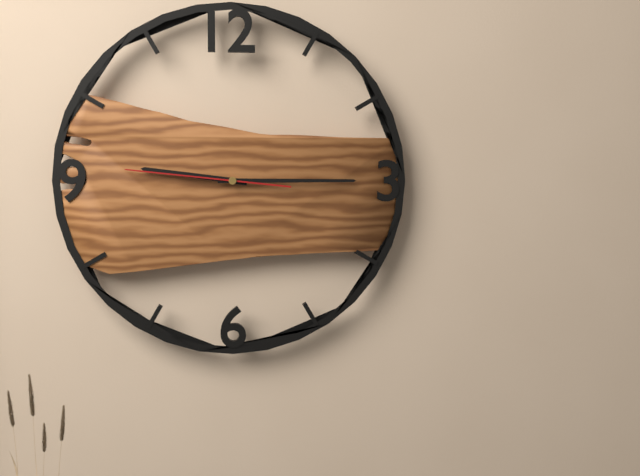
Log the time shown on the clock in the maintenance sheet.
9:15:46
